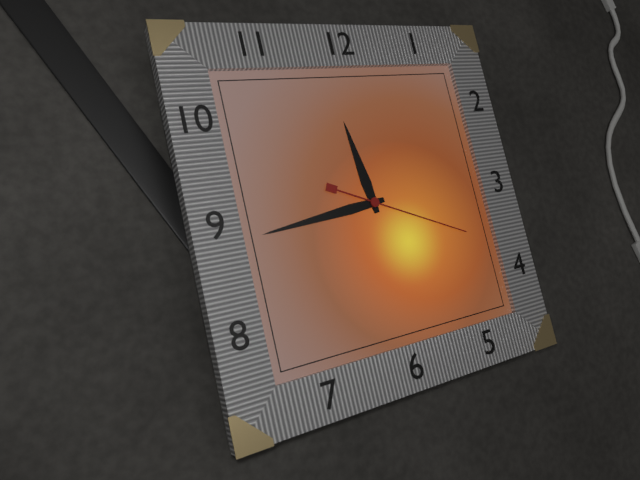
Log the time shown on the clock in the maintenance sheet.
11:44:19
